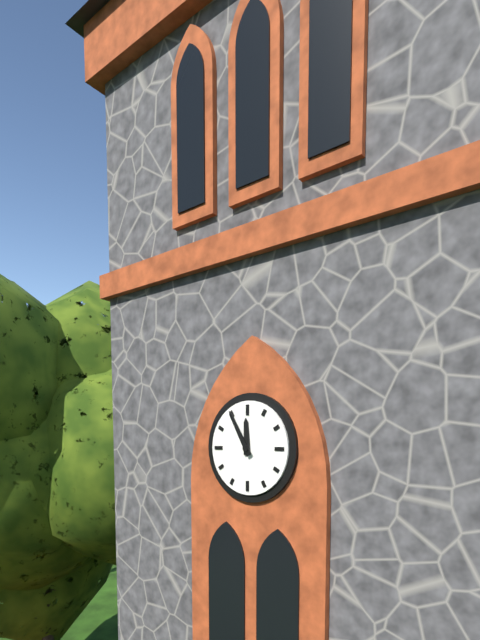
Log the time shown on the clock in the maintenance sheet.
11:55
